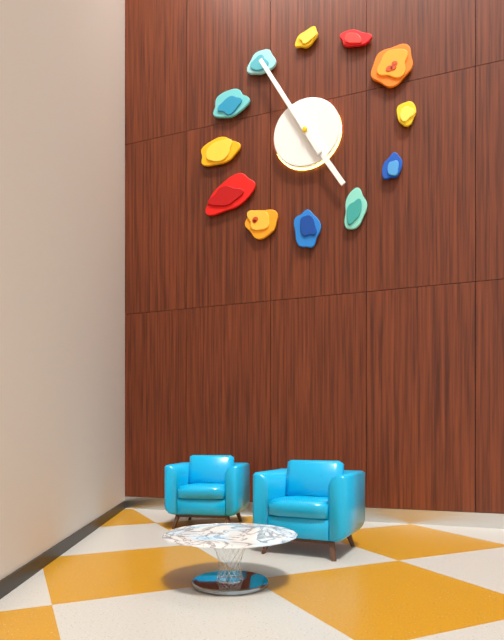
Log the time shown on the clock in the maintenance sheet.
4:55
